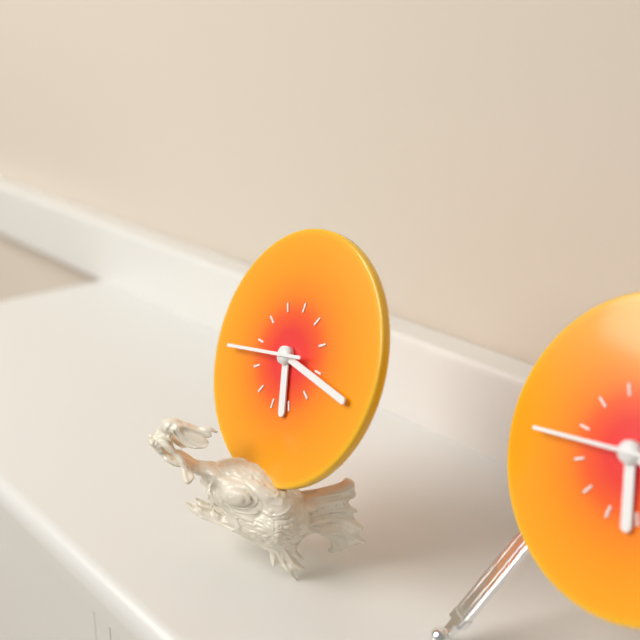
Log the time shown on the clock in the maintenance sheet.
5:16:43
